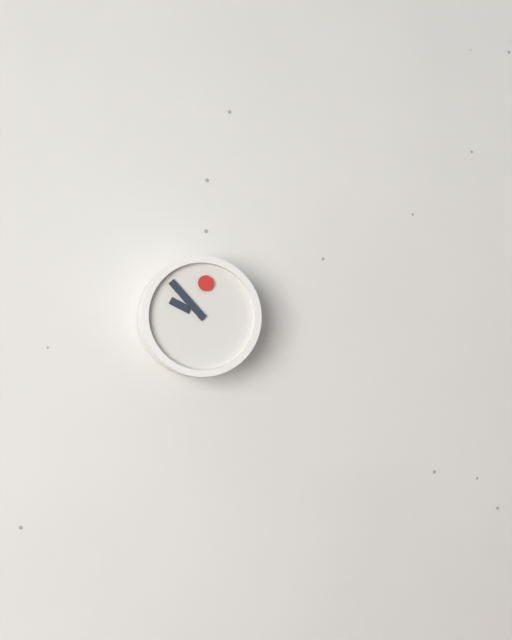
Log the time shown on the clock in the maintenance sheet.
9:53:01
